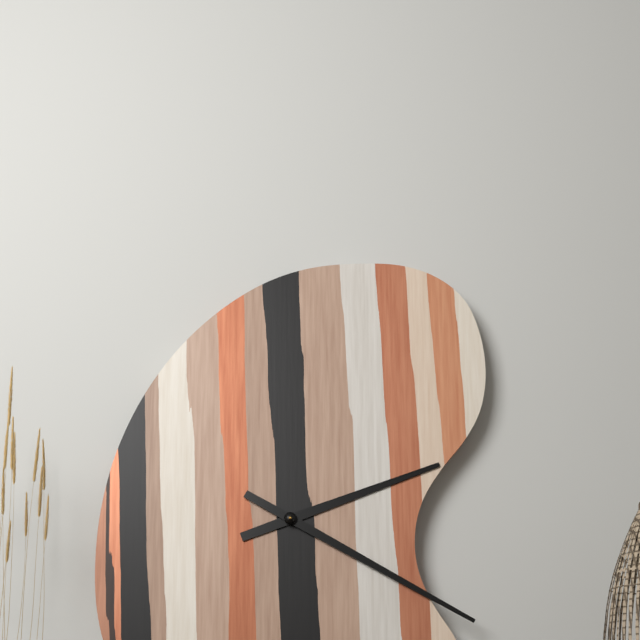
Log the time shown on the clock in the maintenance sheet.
2:20
